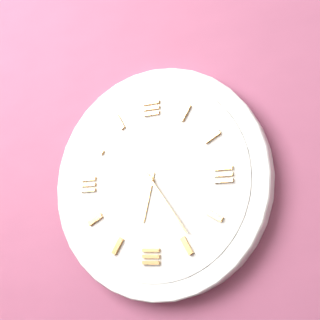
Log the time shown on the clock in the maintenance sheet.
6:24
